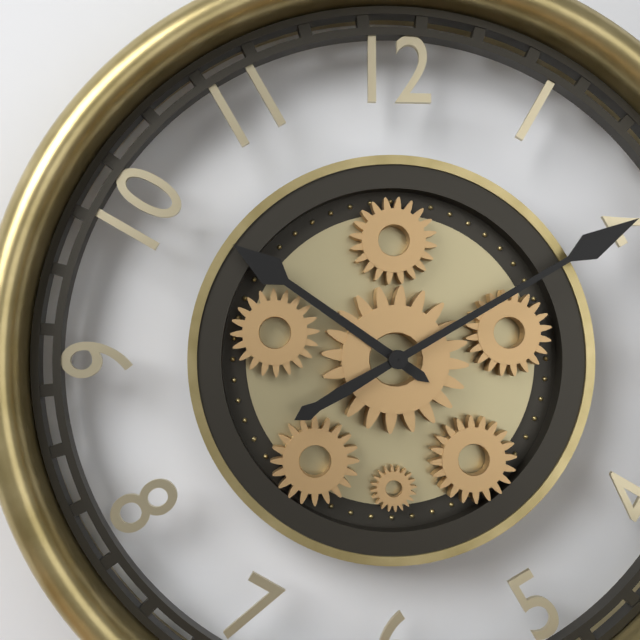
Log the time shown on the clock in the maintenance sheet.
10:10
